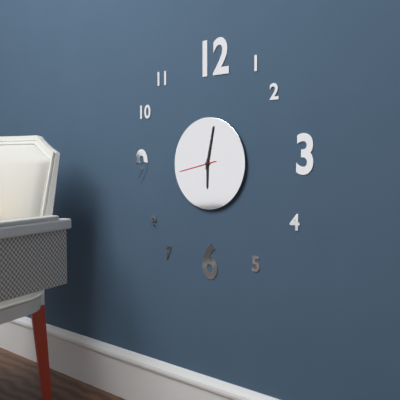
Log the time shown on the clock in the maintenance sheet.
6:02
